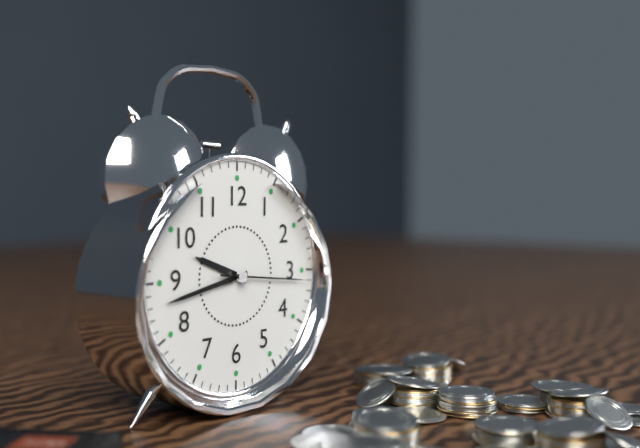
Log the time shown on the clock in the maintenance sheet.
9:43:16
